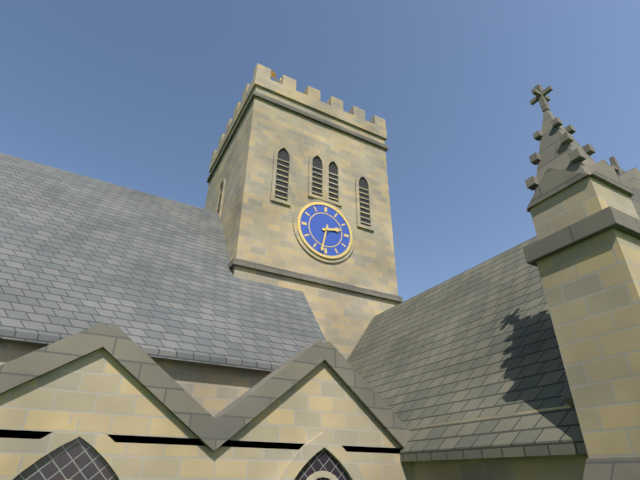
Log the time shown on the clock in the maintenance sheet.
2:32
